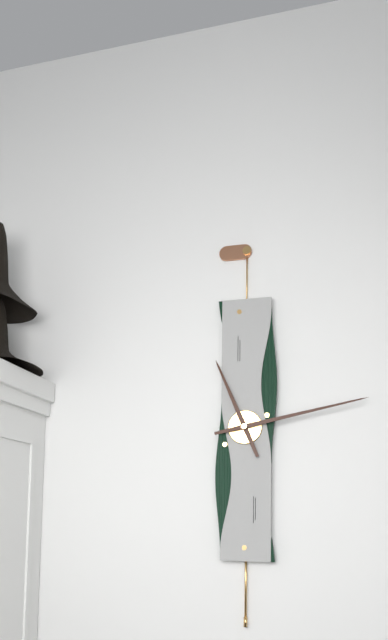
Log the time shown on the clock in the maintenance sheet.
11:13
